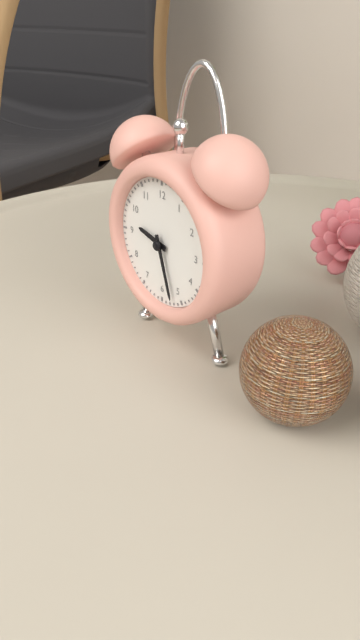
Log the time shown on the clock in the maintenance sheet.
9:27
